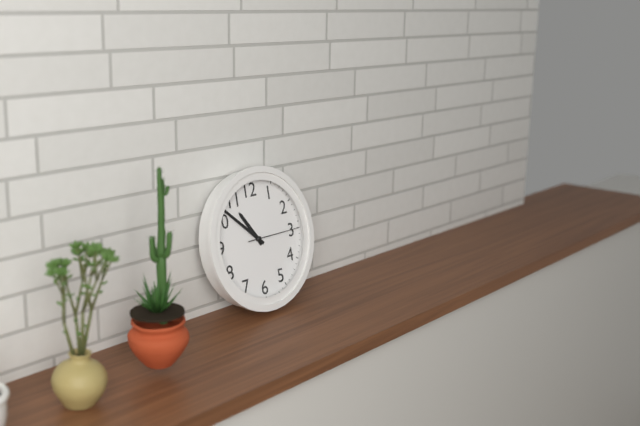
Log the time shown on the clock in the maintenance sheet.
10:52:15
